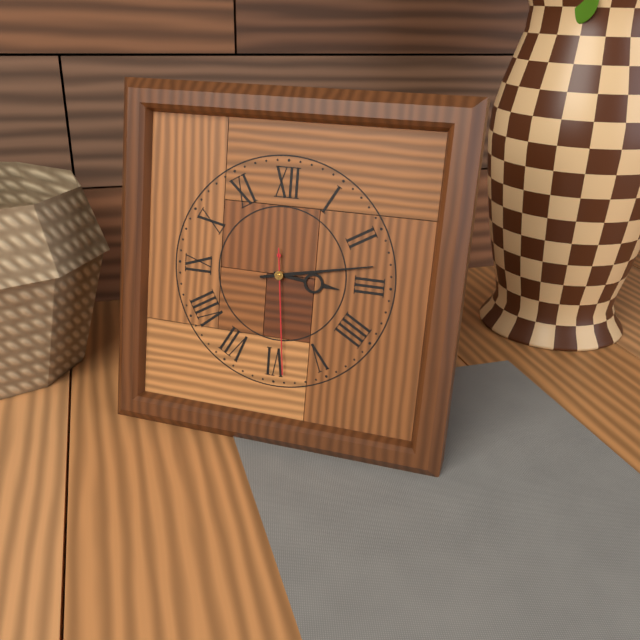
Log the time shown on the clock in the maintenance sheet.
3:13:29
